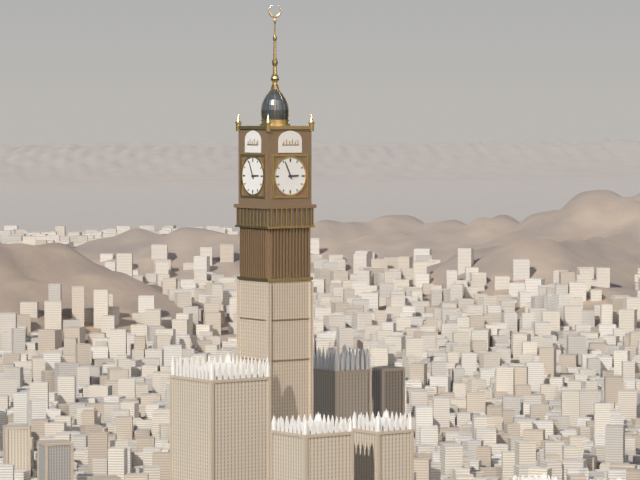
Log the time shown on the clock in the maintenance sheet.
2:56
